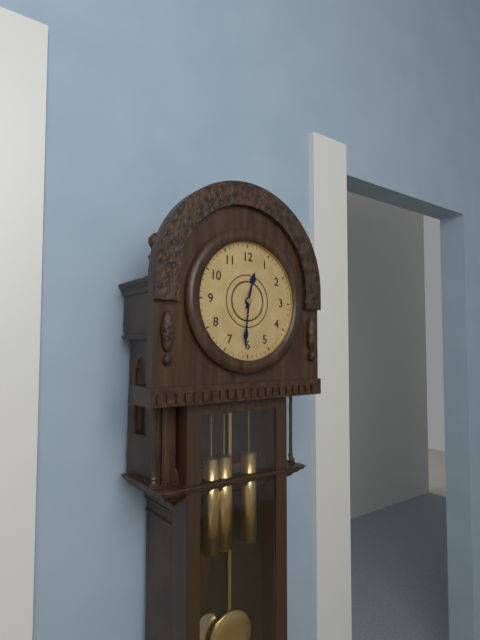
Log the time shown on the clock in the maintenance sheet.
12:31
